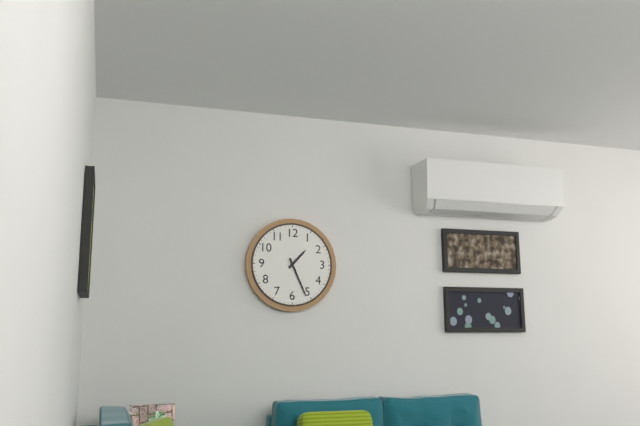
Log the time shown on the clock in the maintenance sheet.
1:26
